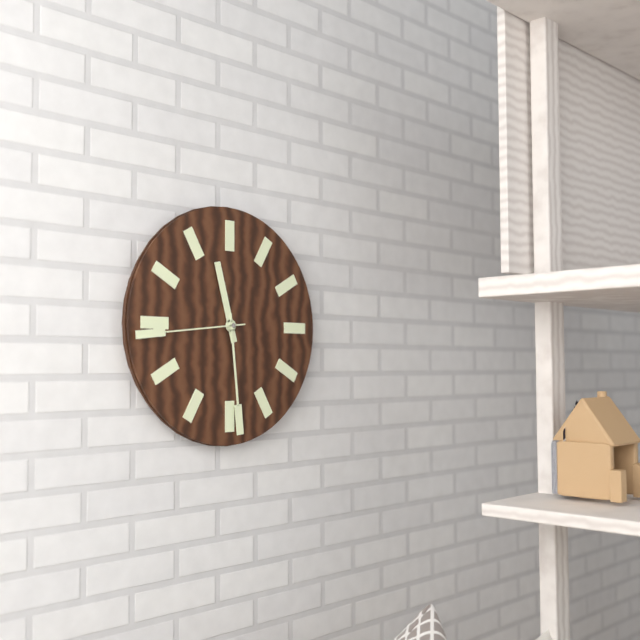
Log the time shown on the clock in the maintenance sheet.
11:29:44
